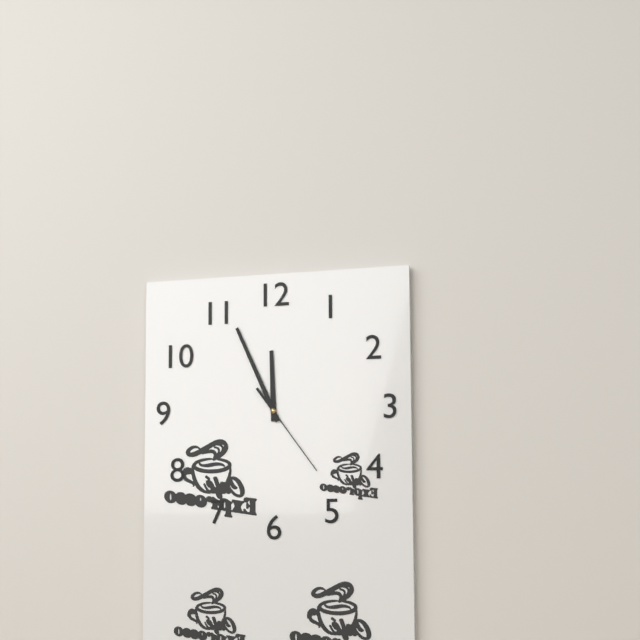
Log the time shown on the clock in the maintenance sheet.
11:56:24
